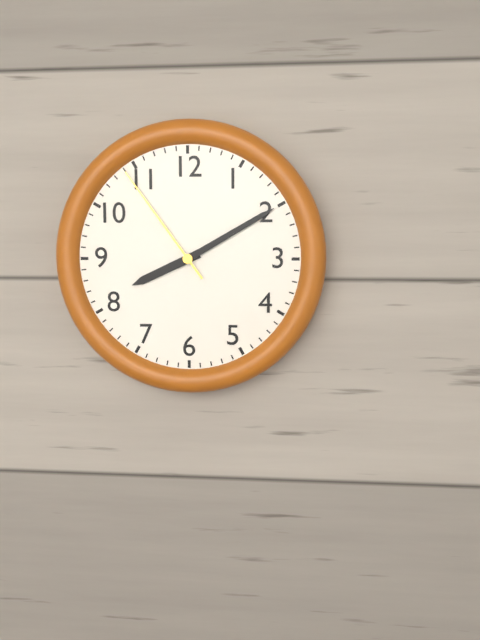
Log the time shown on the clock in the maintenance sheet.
8:10:54
